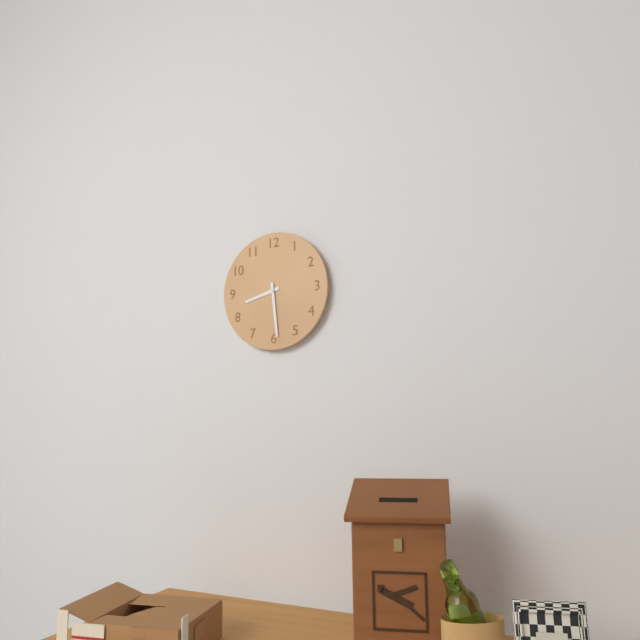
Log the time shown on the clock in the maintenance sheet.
8:29
